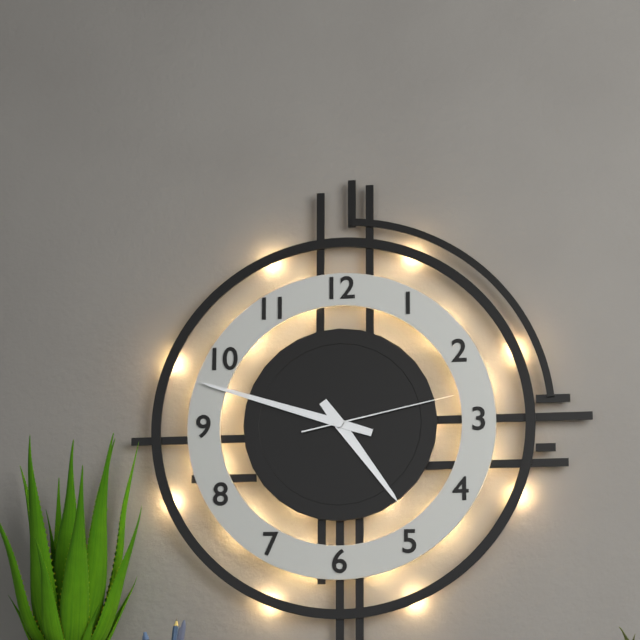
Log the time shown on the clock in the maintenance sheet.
4:48:13
